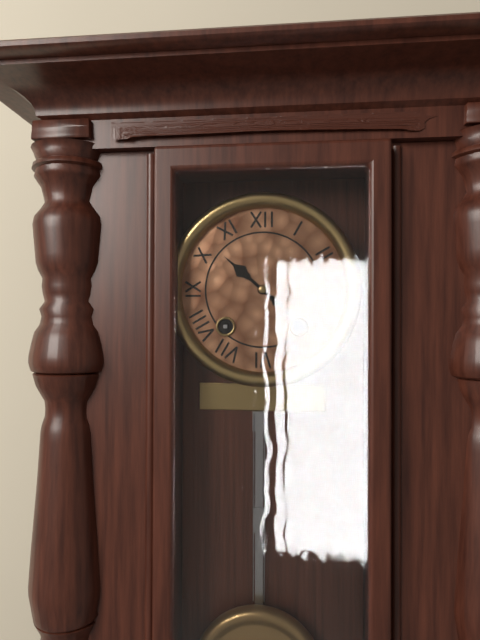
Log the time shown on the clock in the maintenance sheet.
10:22
